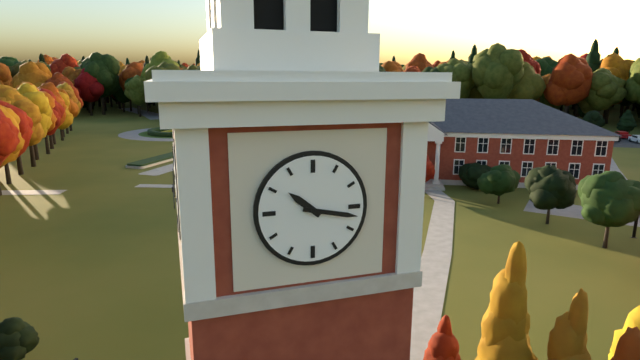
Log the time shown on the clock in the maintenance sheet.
10:17
